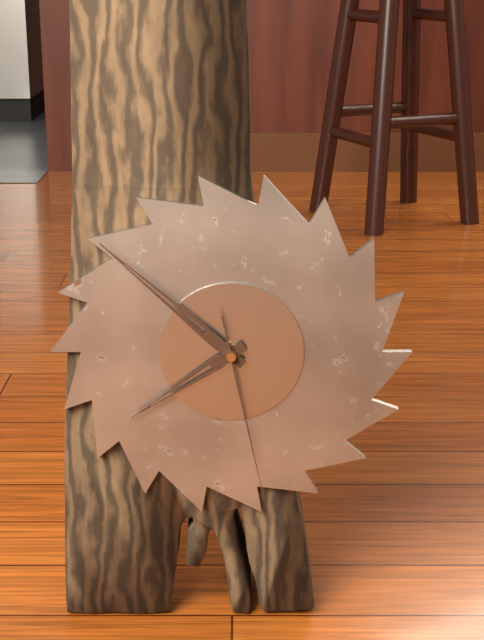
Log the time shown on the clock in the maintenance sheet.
7:52:28
